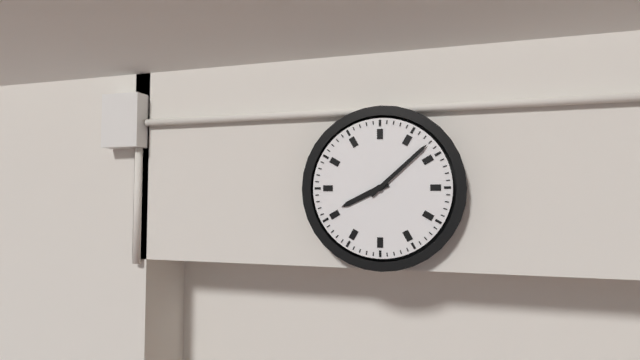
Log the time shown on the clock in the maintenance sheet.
8:08
